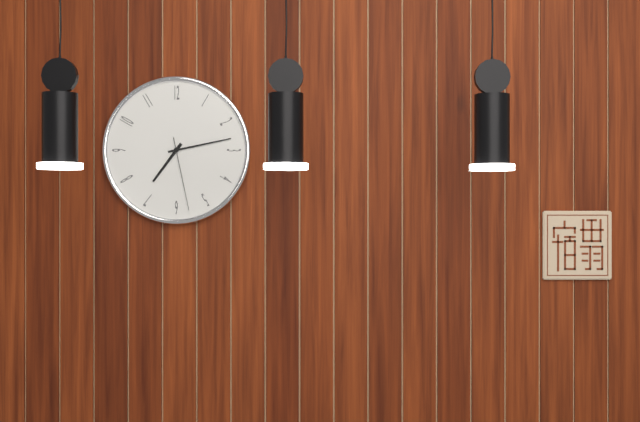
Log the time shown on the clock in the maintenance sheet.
7:13:28
